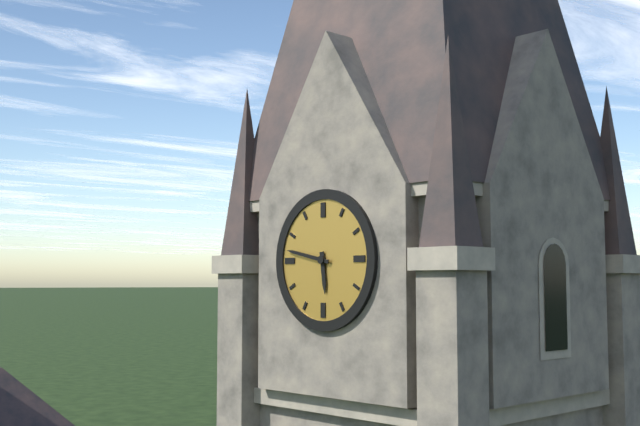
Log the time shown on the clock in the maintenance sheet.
5:47
